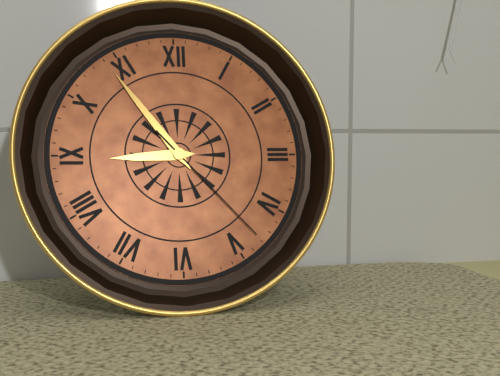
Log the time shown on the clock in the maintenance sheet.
8:54:23
